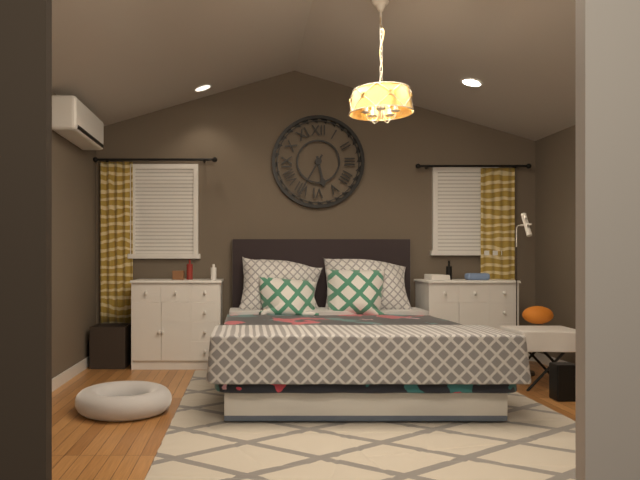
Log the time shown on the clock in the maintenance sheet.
5:35
